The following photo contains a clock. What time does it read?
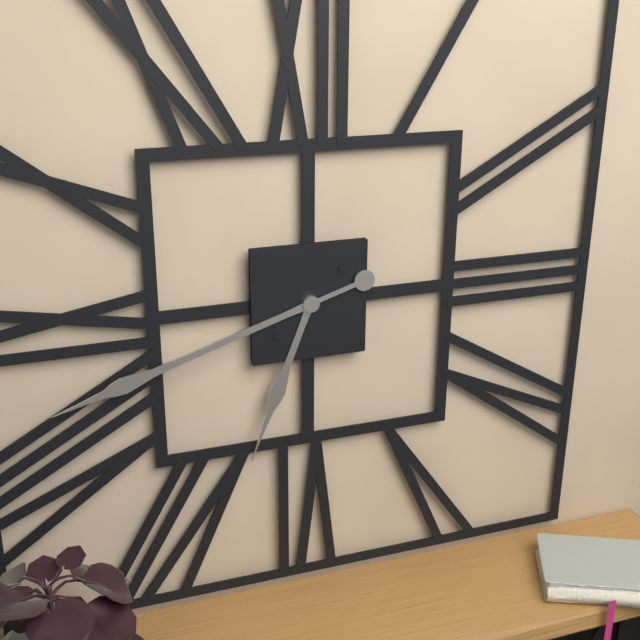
6:42
